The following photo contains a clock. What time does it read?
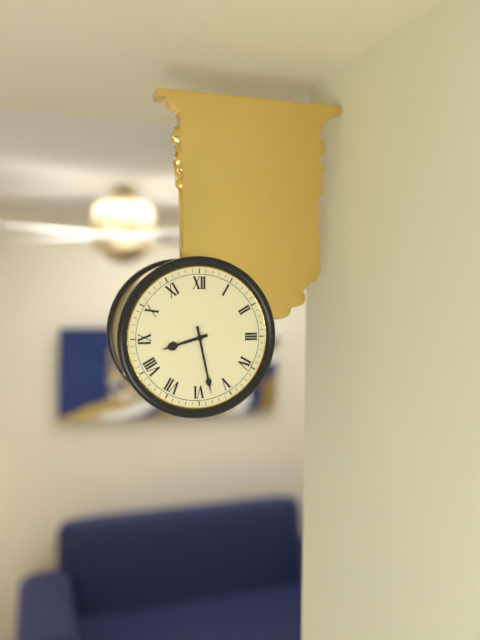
8:28
